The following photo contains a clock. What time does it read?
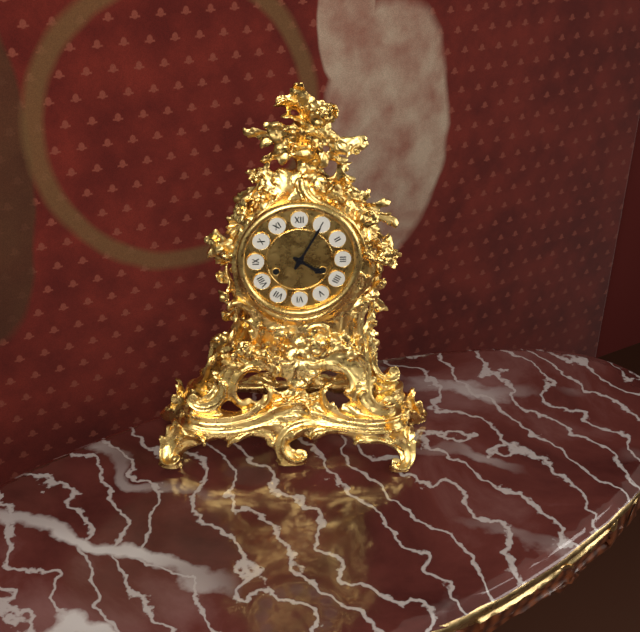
4:05
